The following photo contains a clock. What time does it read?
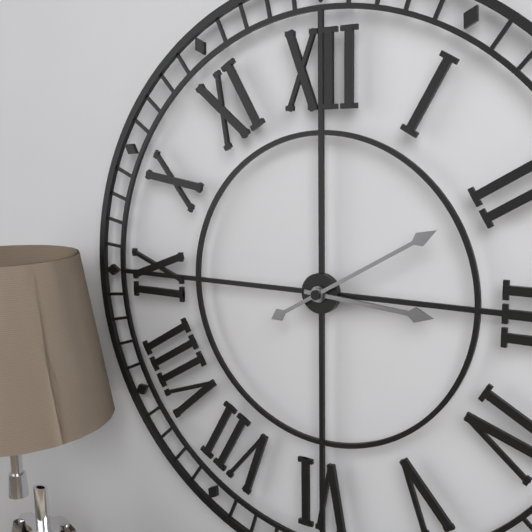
3:10
